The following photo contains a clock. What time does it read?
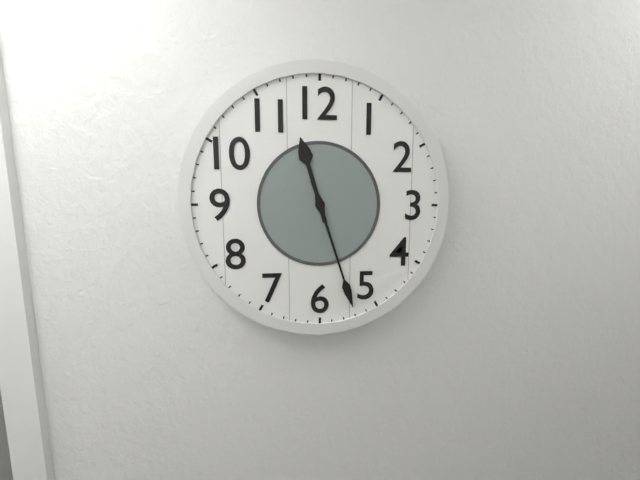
11:27
